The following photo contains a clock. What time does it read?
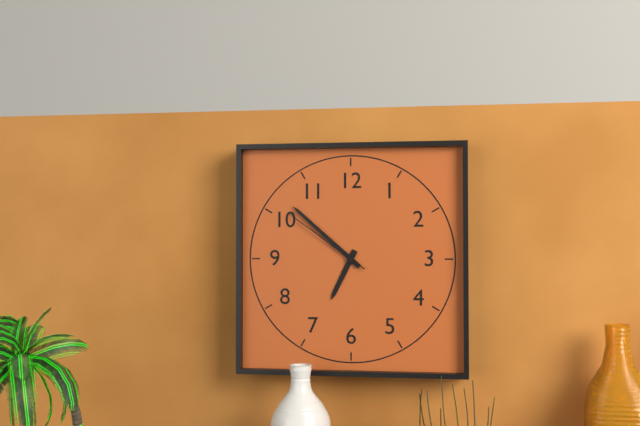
6:52:51
